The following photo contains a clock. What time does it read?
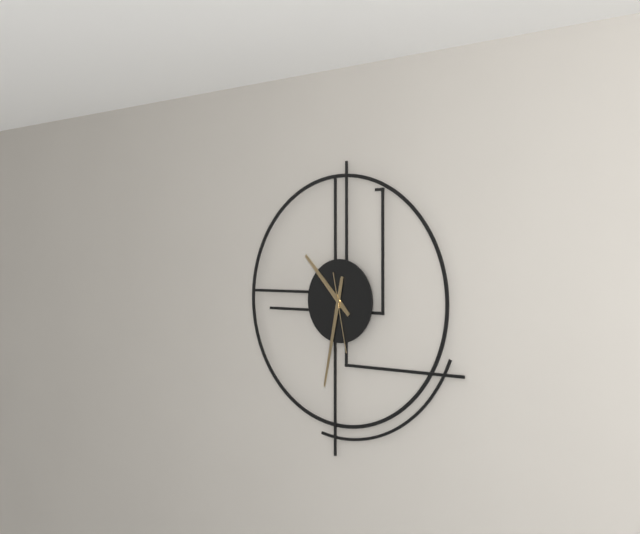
10:32:28
